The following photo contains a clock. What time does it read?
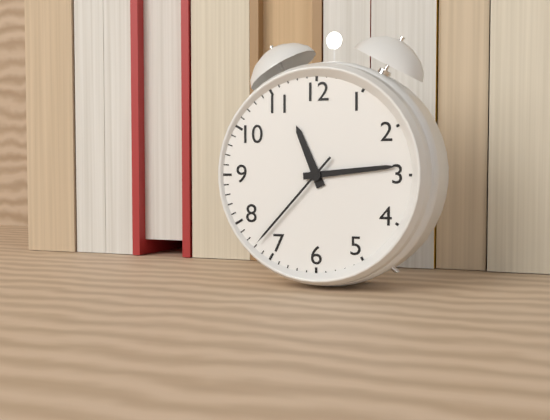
11:14:37
